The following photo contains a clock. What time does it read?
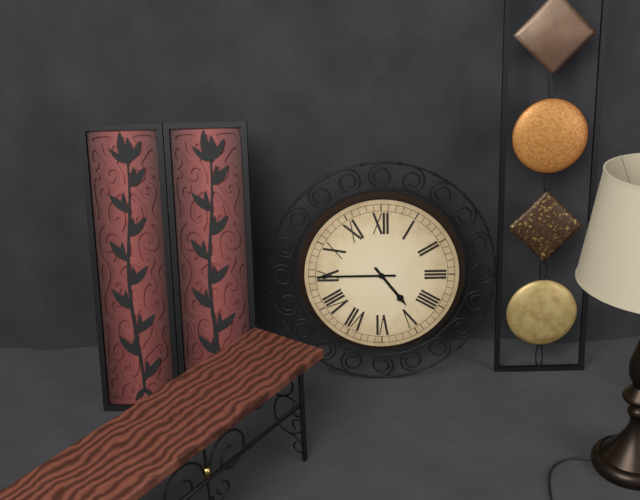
4:45
